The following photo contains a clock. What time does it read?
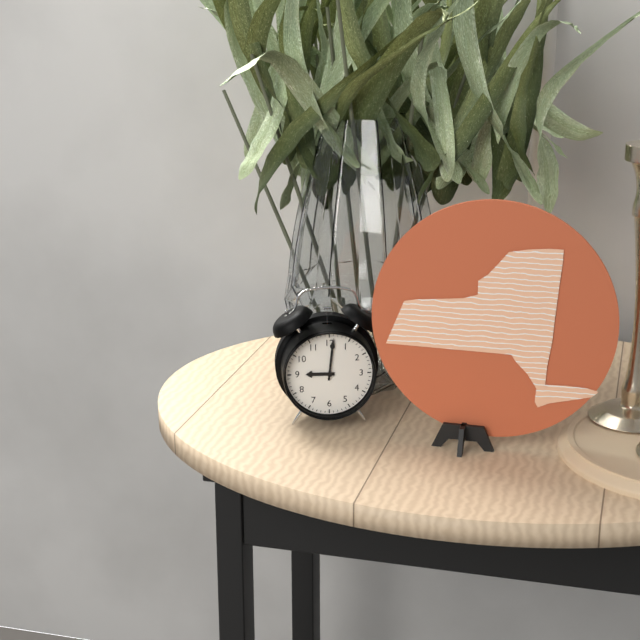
9:01
